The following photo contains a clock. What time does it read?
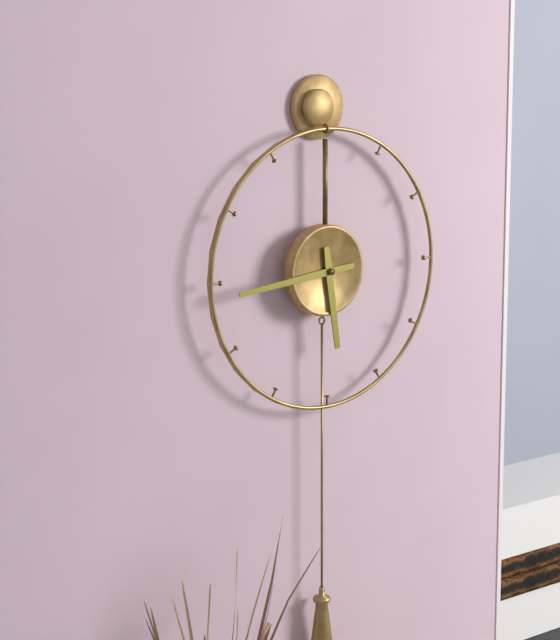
5:44
